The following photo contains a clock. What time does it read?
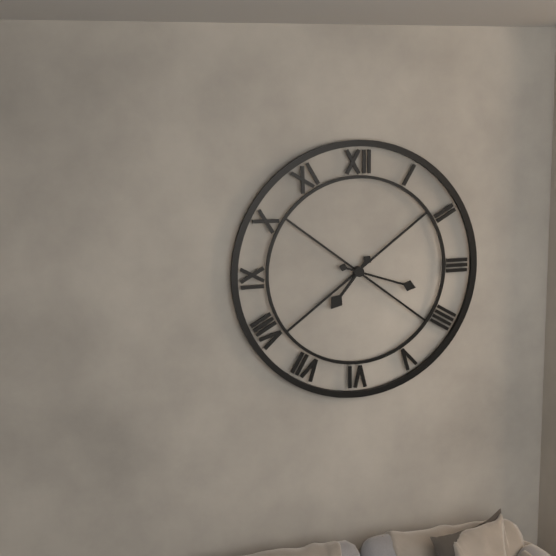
7:18
